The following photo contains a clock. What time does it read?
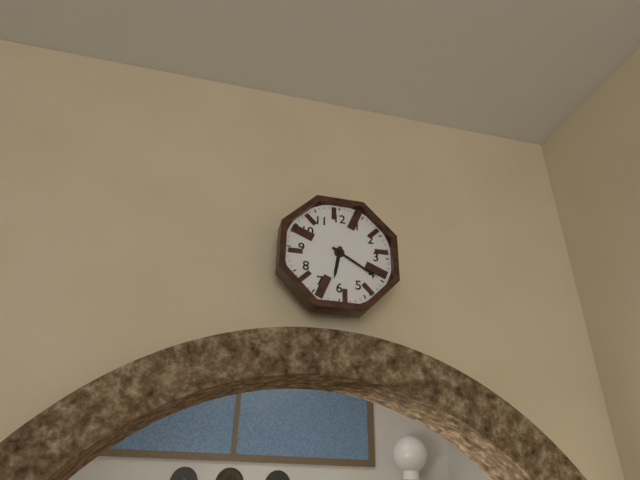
6:20
